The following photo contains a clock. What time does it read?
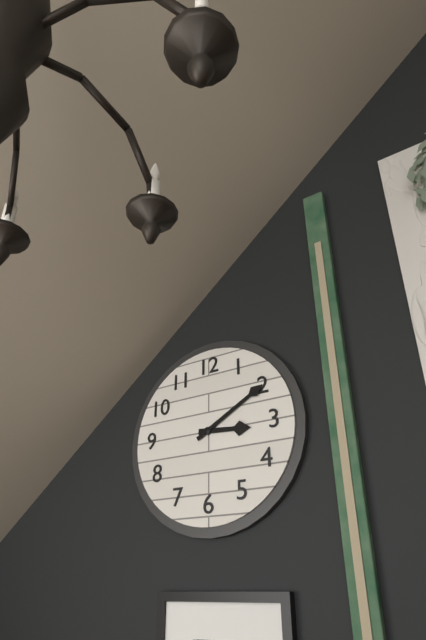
3:10
